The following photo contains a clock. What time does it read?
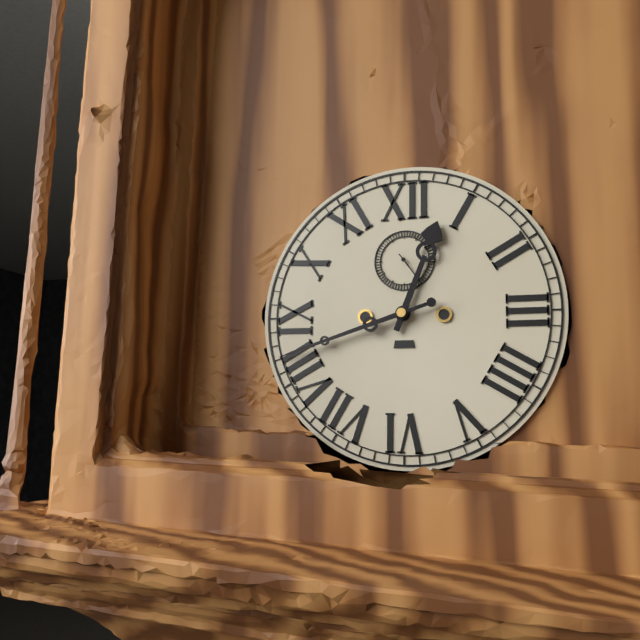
12:42
